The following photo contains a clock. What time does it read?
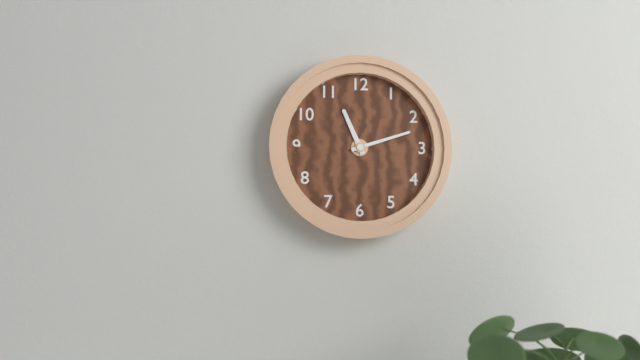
11:12
